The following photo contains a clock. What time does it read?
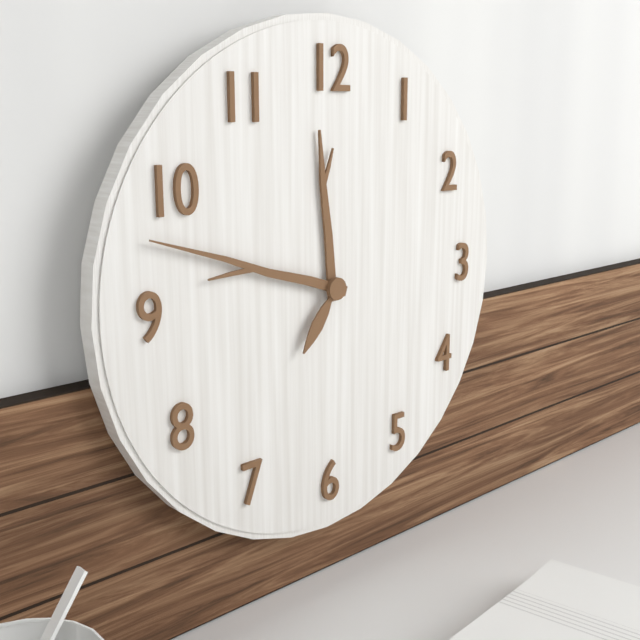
11:48:36
